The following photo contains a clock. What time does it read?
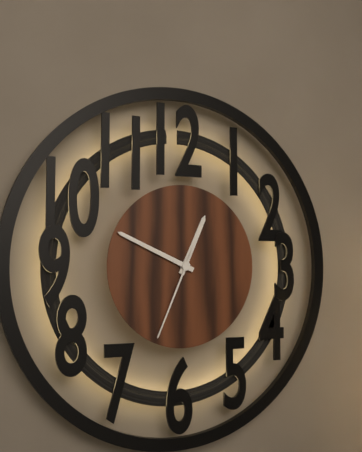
12:49:34
